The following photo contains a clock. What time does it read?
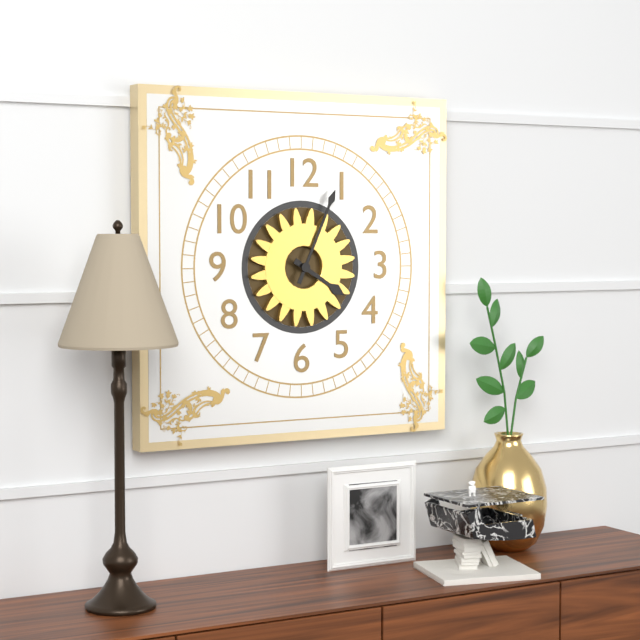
4:04
